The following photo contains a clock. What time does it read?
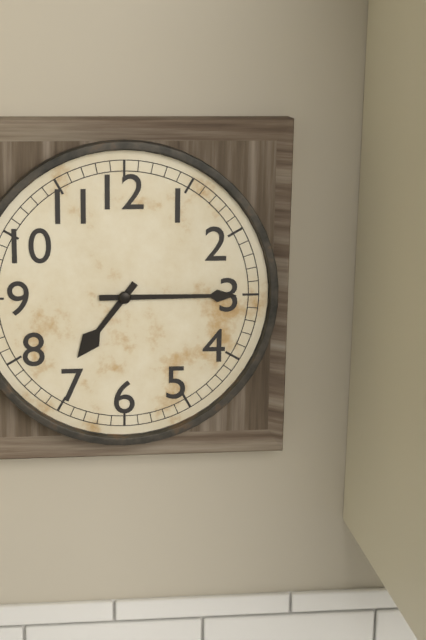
7:15
